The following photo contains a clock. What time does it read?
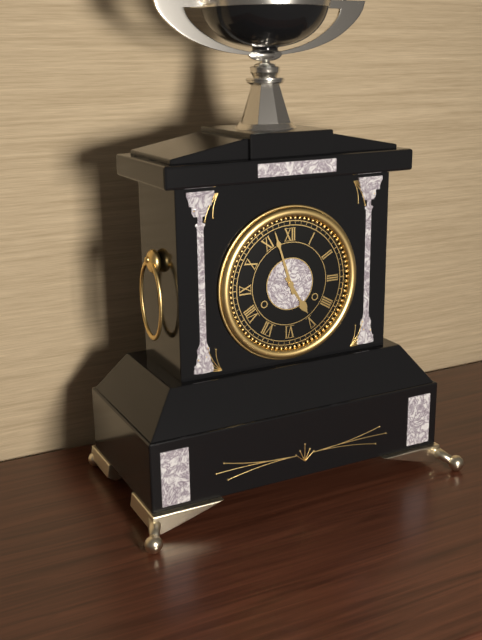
4:57
